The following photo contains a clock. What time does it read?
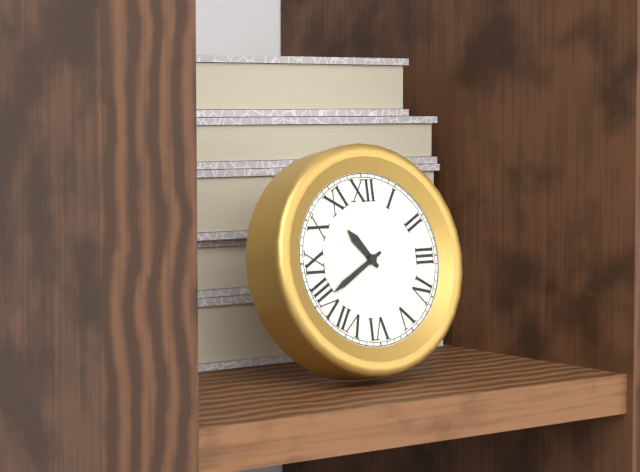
10:40
